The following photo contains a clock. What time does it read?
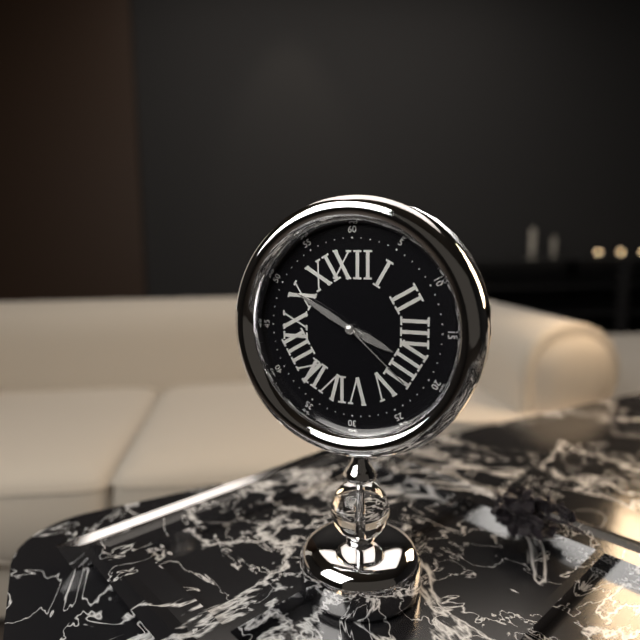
3:50:22
